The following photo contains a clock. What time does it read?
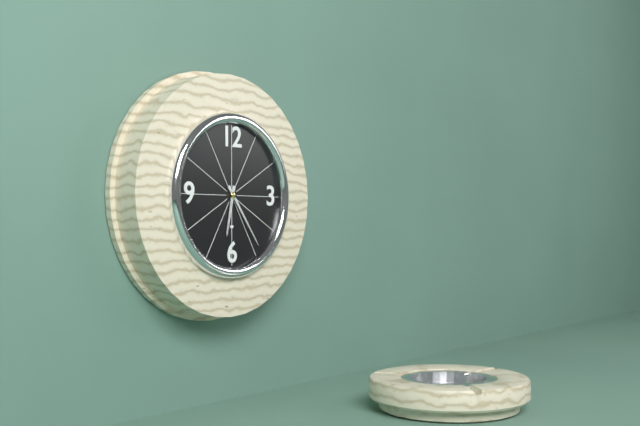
6:24
